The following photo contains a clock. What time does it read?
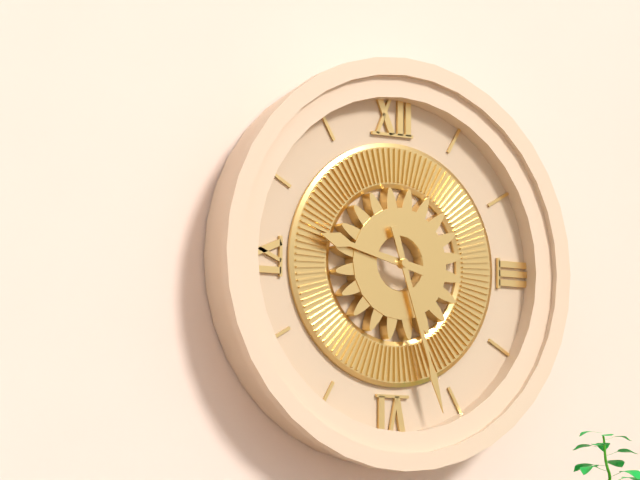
9:27
